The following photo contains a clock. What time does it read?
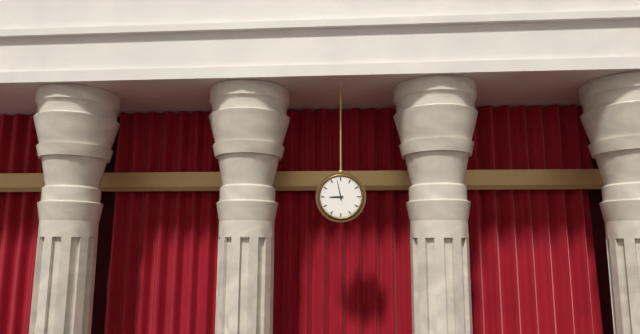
8:58
